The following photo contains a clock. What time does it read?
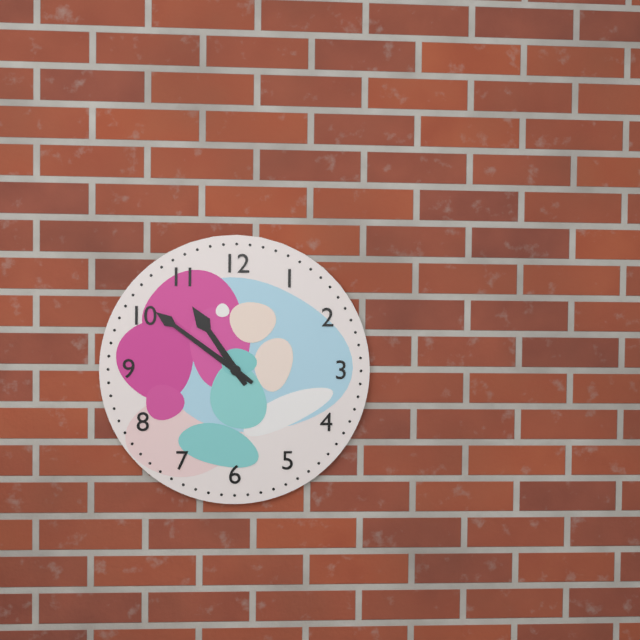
10:51
